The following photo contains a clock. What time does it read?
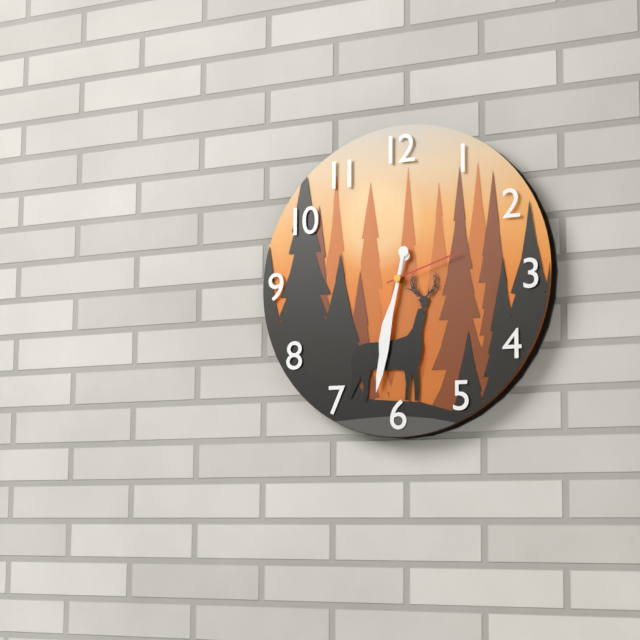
6:32:12
